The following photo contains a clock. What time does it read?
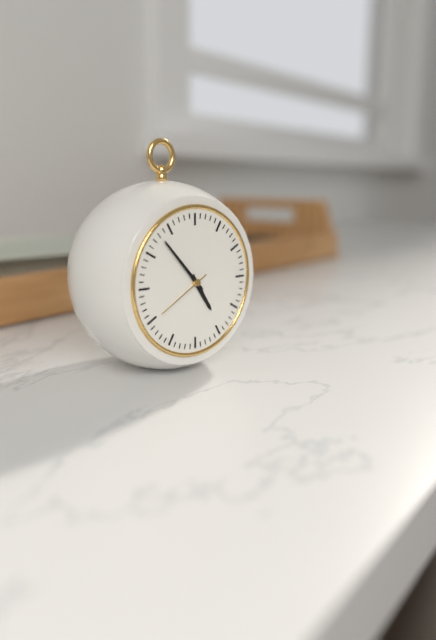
4:53:40
